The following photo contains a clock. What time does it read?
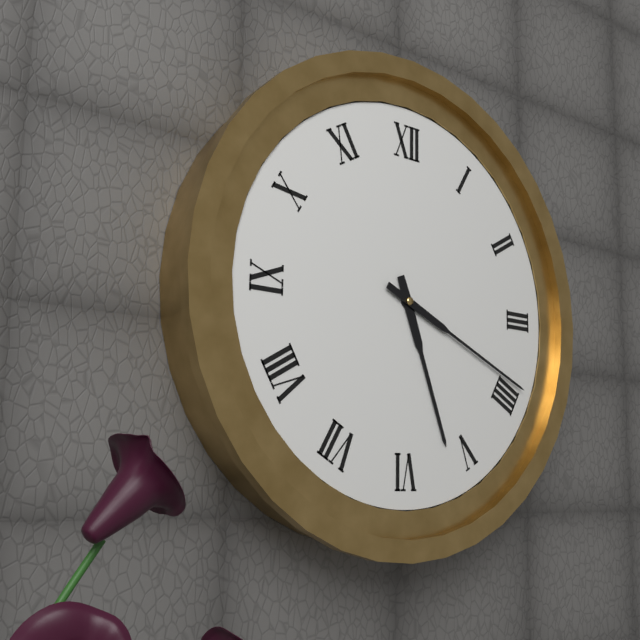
5:19
